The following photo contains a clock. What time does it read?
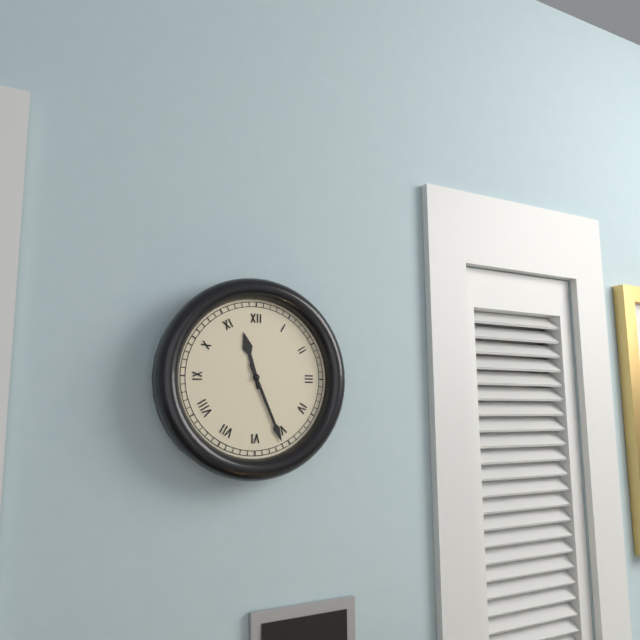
11:26
